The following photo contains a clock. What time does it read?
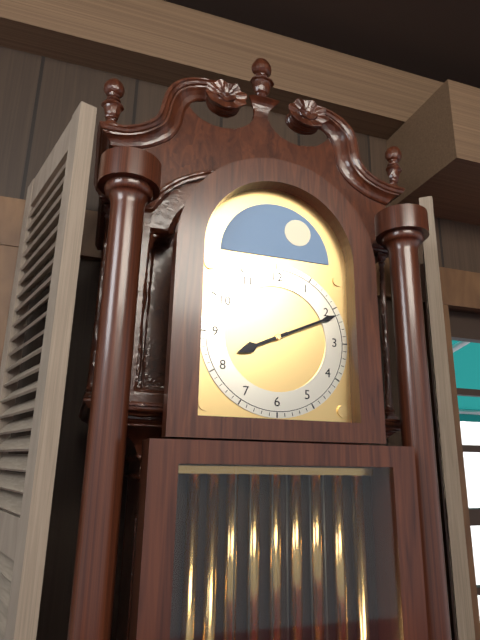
8:11
